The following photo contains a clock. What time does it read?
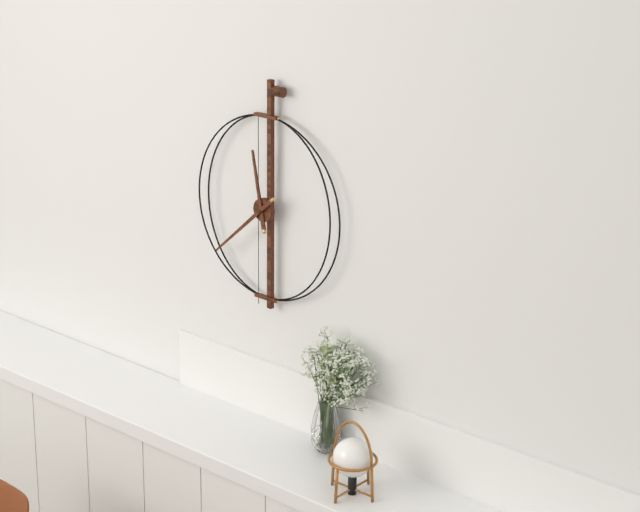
11:38
